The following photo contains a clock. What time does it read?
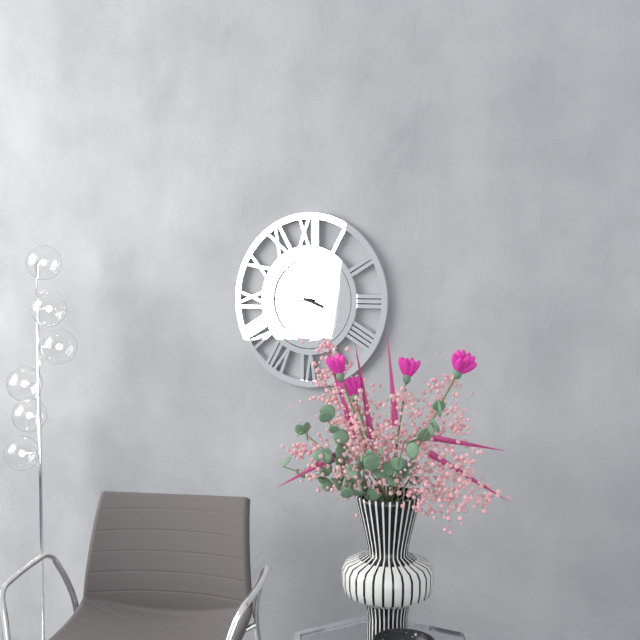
3:45
